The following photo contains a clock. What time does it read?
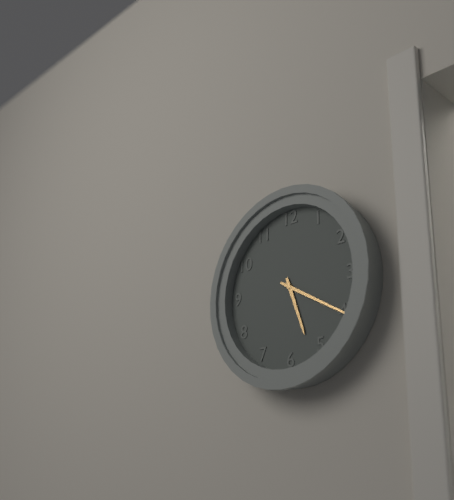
5:20
